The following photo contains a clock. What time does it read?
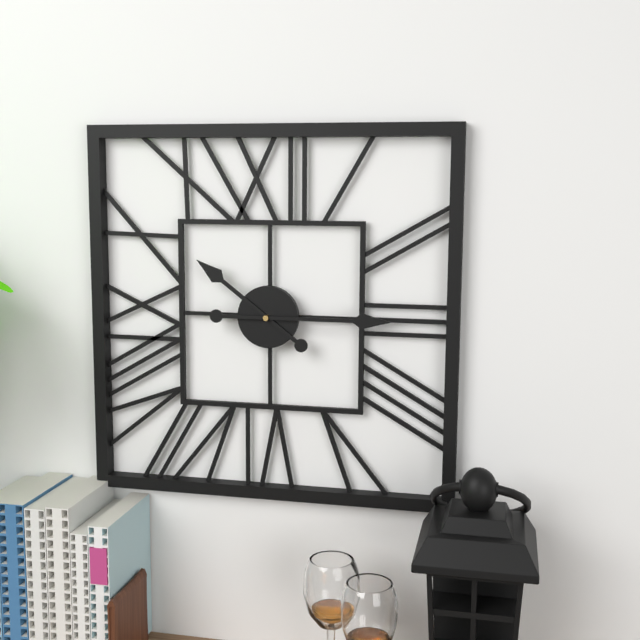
10:15
